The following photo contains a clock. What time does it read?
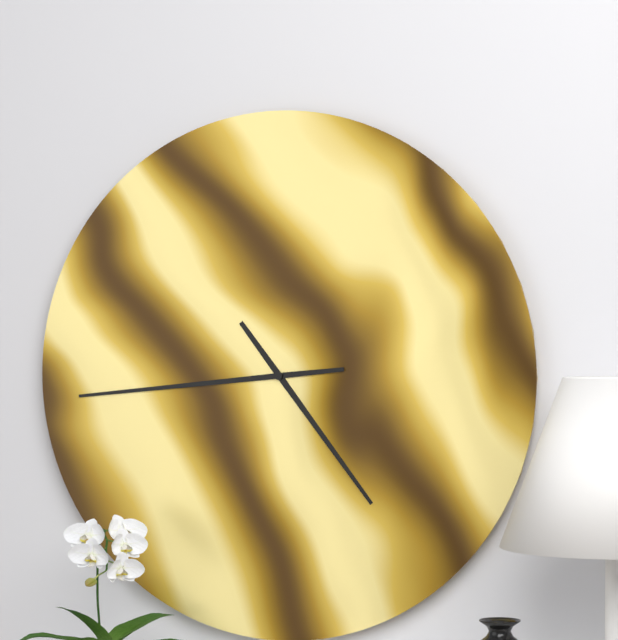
4:44
